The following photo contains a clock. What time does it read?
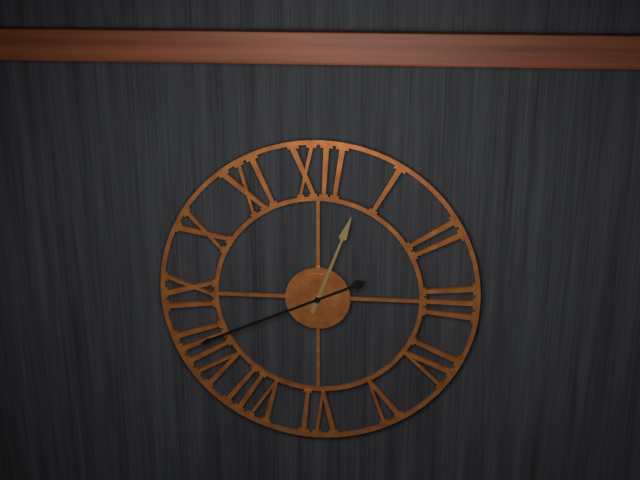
12:41
